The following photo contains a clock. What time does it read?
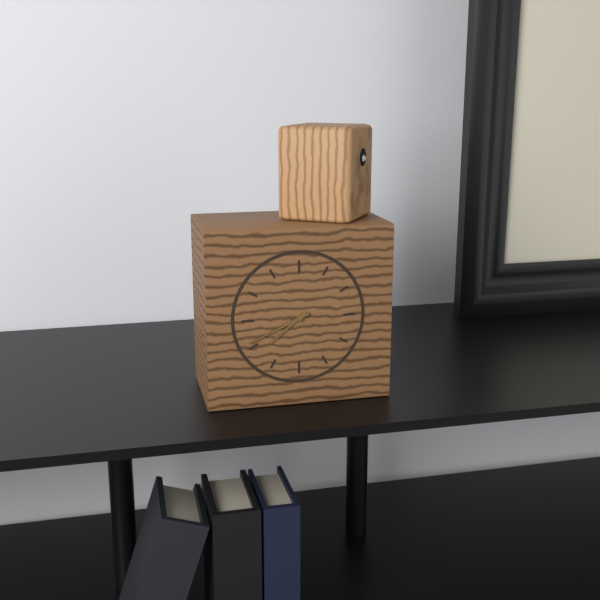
7:41
